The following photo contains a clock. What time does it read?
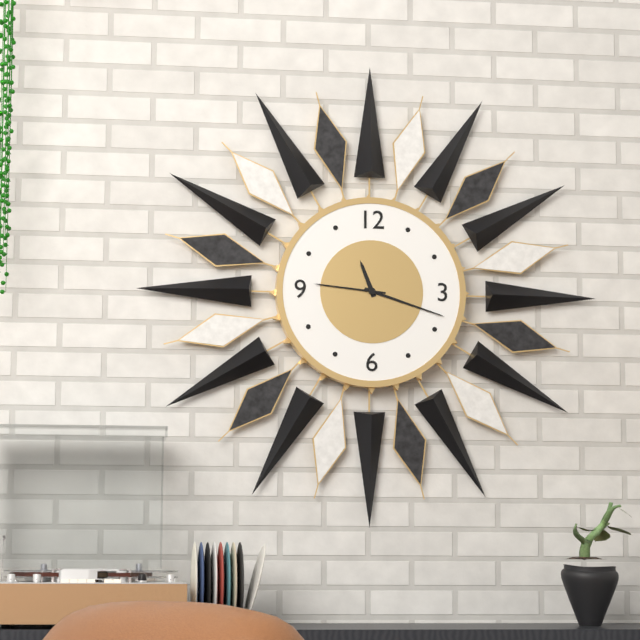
11:18:46
